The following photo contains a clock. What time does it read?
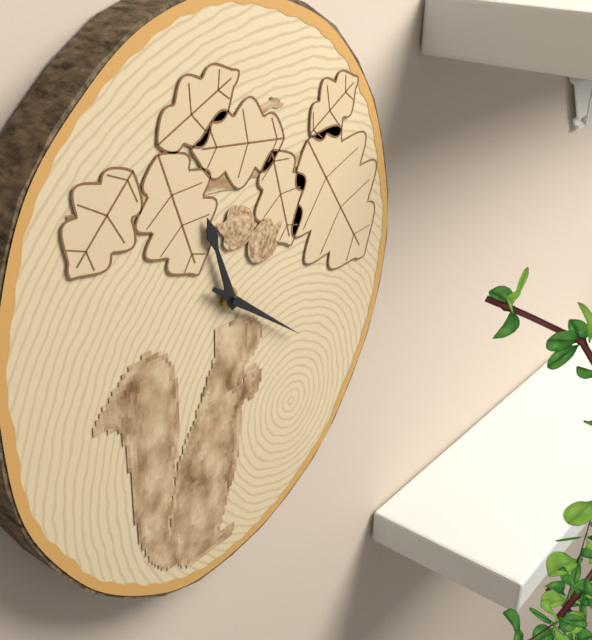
11:21
